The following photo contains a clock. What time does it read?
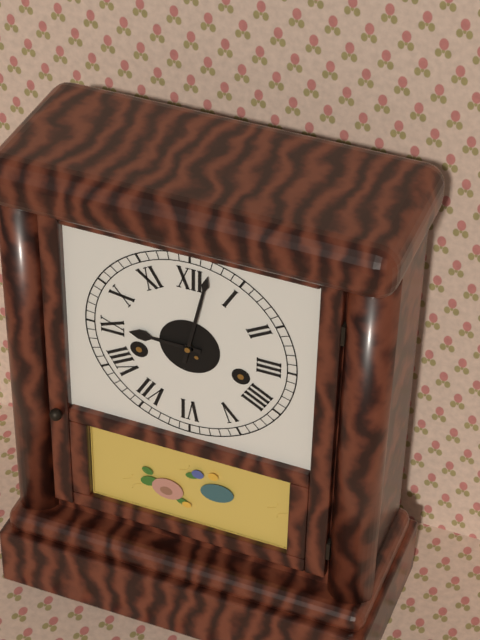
9:02
